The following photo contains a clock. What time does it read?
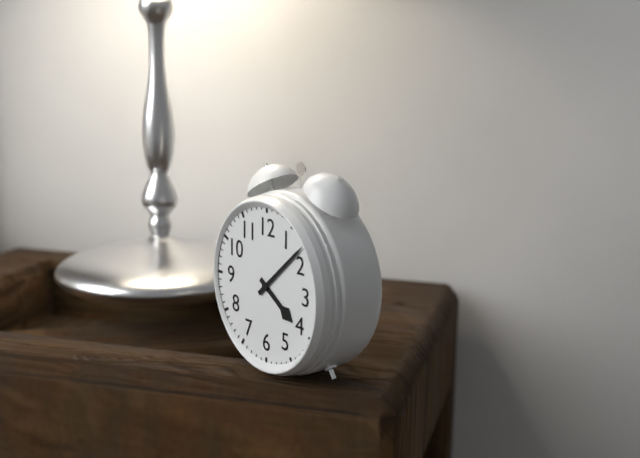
4:08
